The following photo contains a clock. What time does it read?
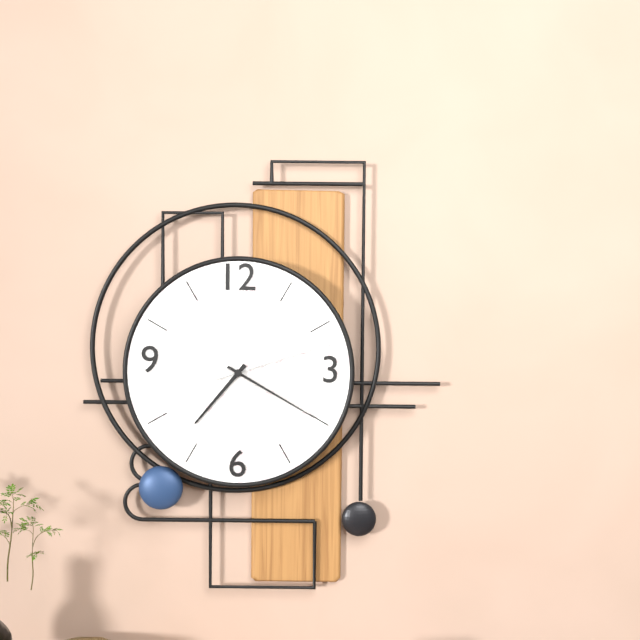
7:20:12
